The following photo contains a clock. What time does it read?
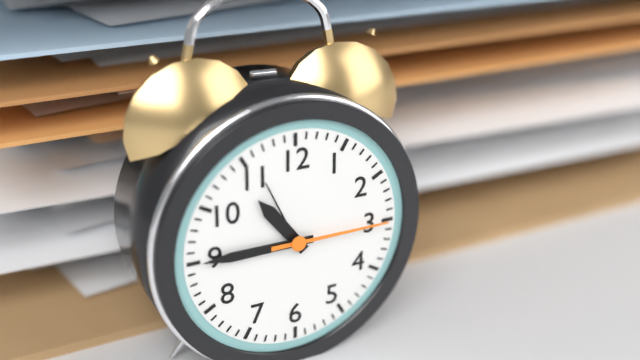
10:45:15
